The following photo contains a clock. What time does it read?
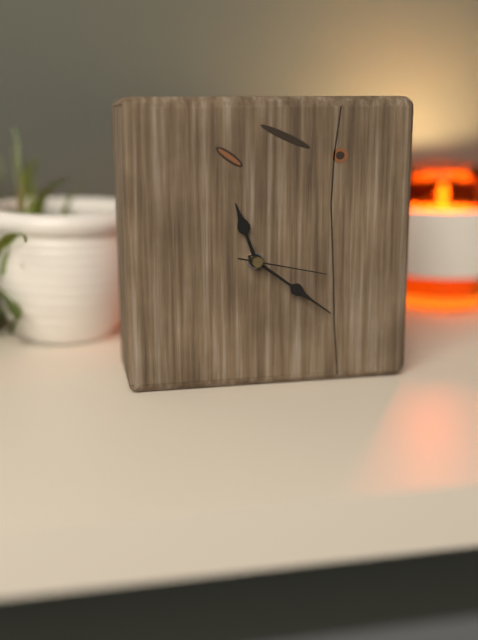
11:21:17
